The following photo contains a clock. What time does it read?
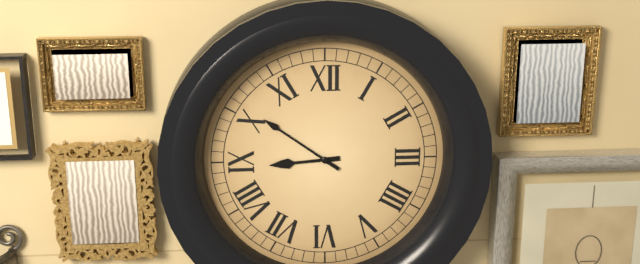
8:51
